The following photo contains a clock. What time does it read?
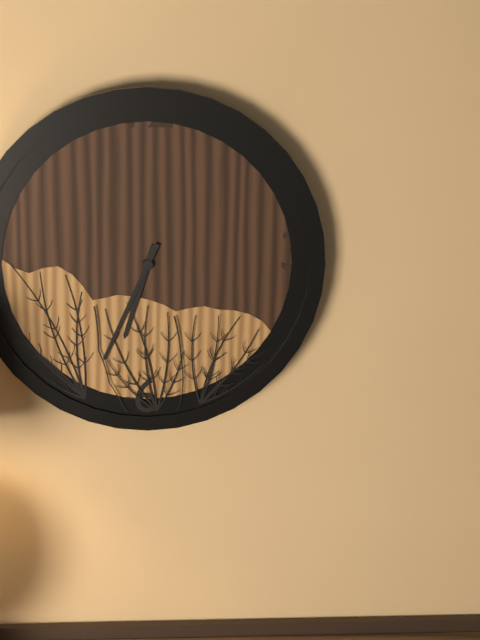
6:34
